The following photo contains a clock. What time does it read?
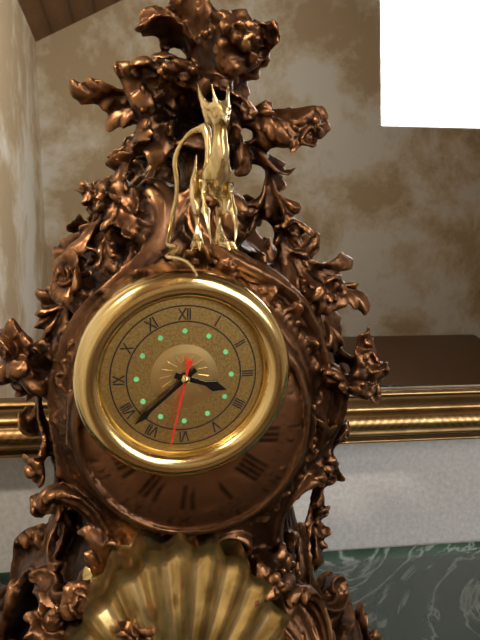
3:38:32
